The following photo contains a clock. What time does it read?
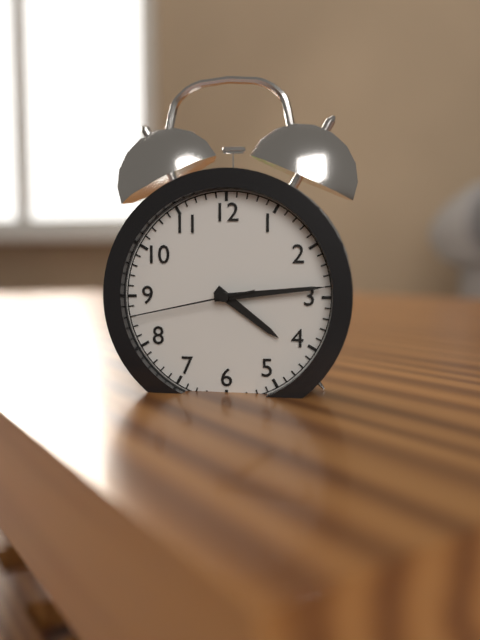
4:14:43
